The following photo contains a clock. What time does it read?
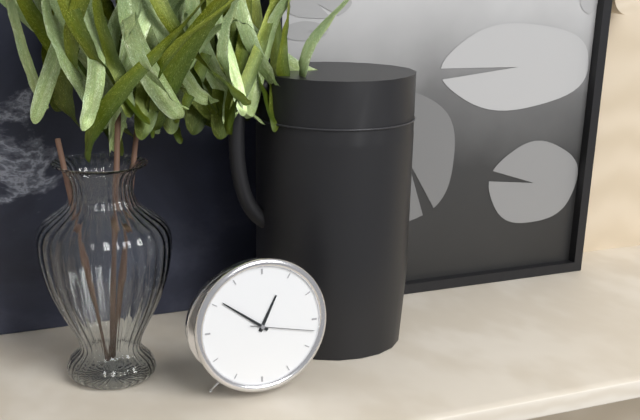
12:51:17
